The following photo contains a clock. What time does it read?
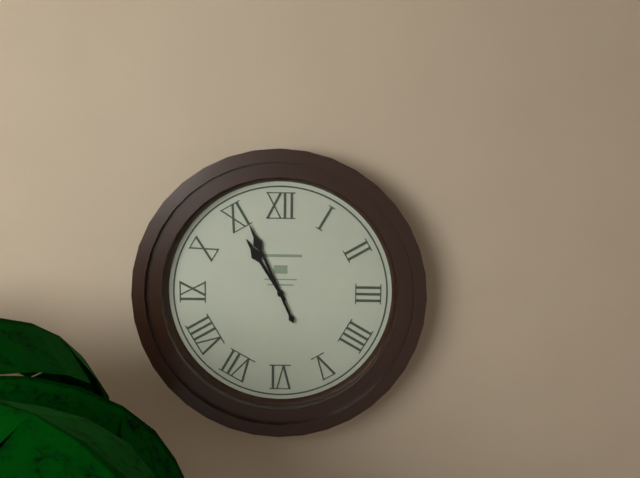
10:56
